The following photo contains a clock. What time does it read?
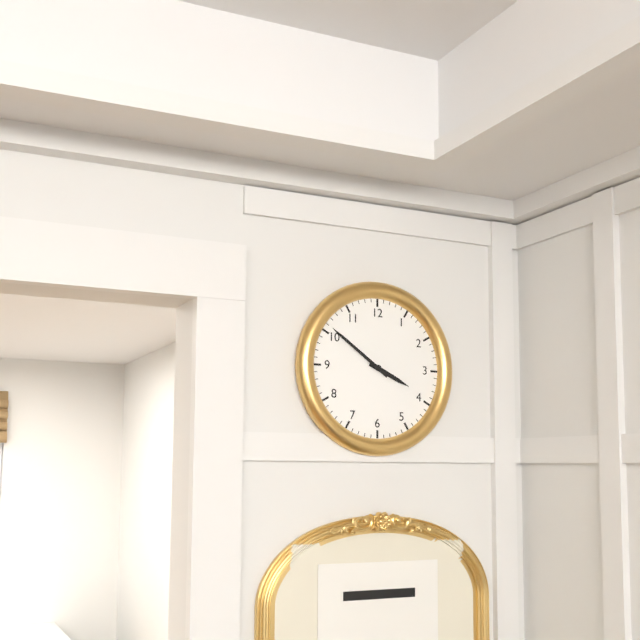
3:51
